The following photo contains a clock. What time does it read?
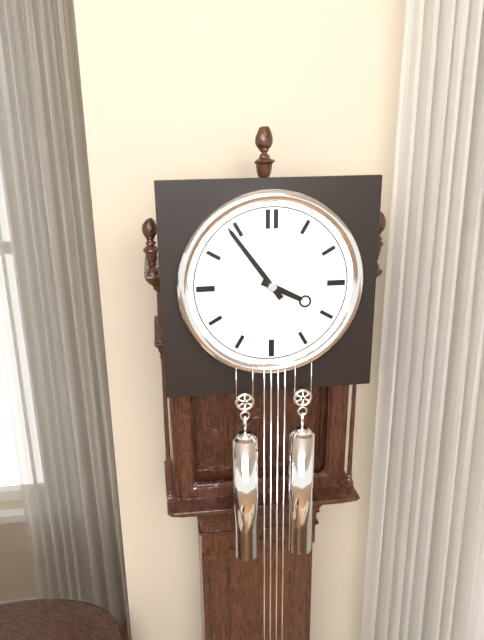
3:54
